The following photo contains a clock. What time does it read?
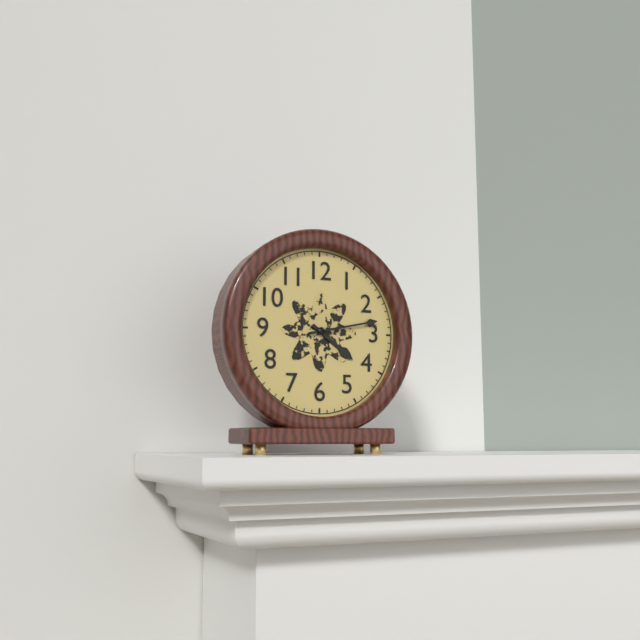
4:13
